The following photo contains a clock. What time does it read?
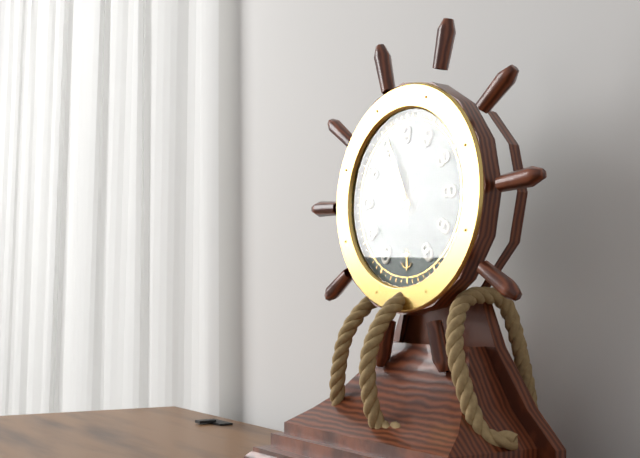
10:56
